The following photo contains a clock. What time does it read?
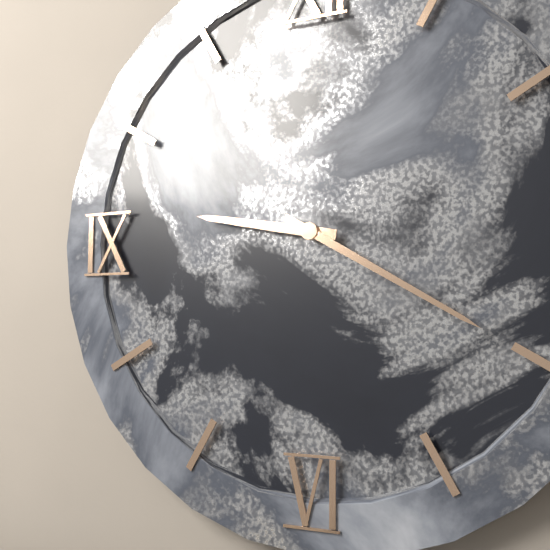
9:20
